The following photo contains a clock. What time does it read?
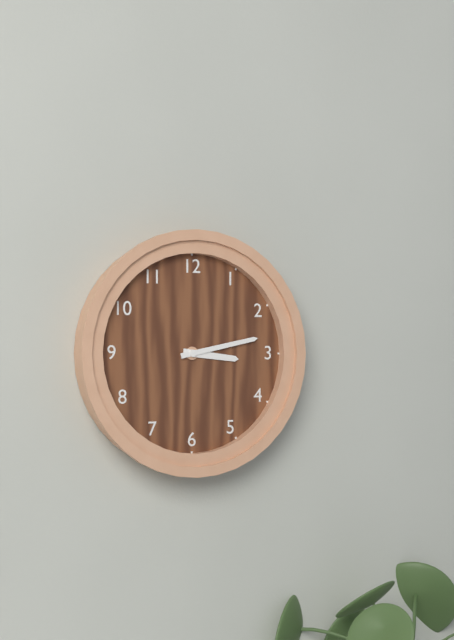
3:13
